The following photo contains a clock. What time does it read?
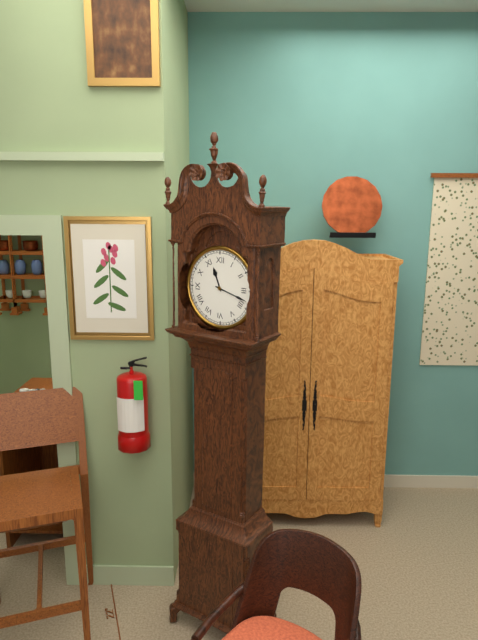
11:18
